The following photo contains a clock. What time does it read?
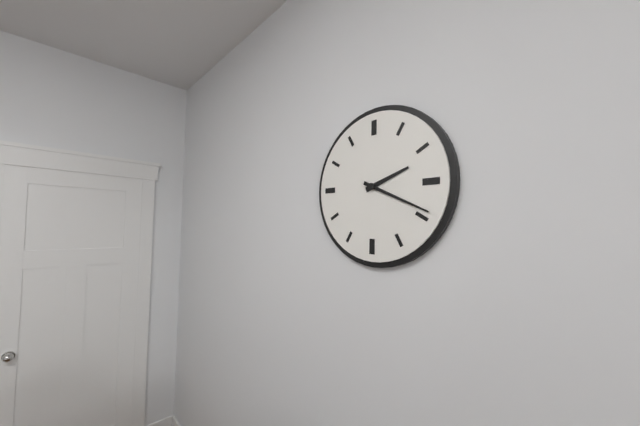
2:19
